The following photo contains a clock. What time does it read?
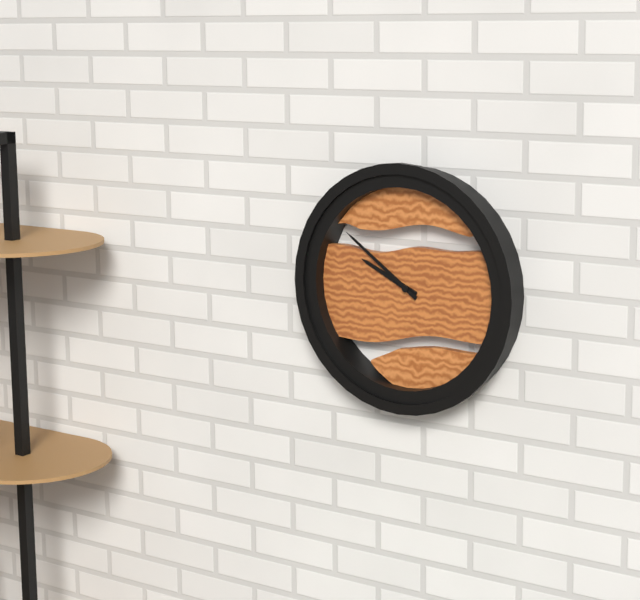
9:51
